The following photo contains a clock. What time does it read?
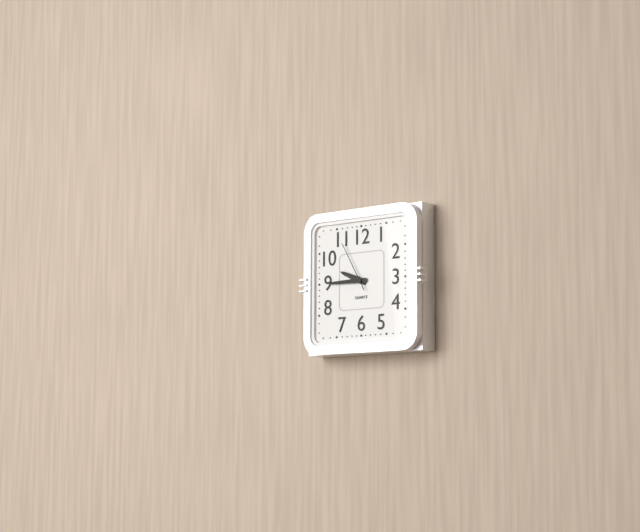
9:45:55
